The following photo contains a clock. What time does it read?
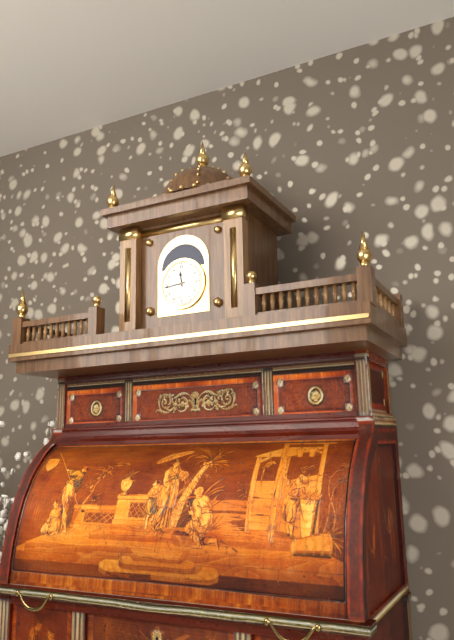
11:44
